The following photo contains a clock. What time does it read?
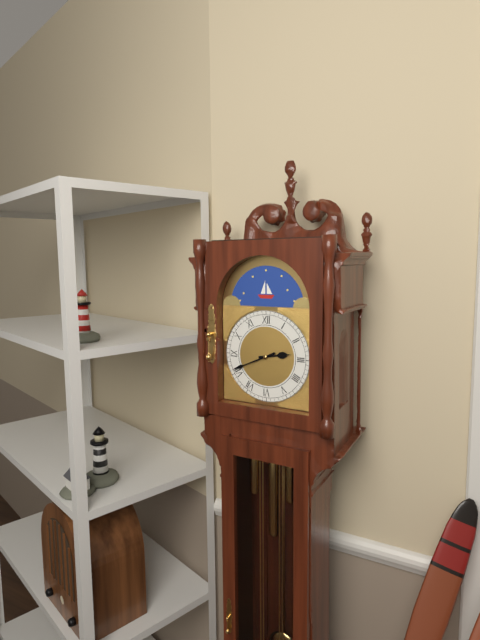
2:41
